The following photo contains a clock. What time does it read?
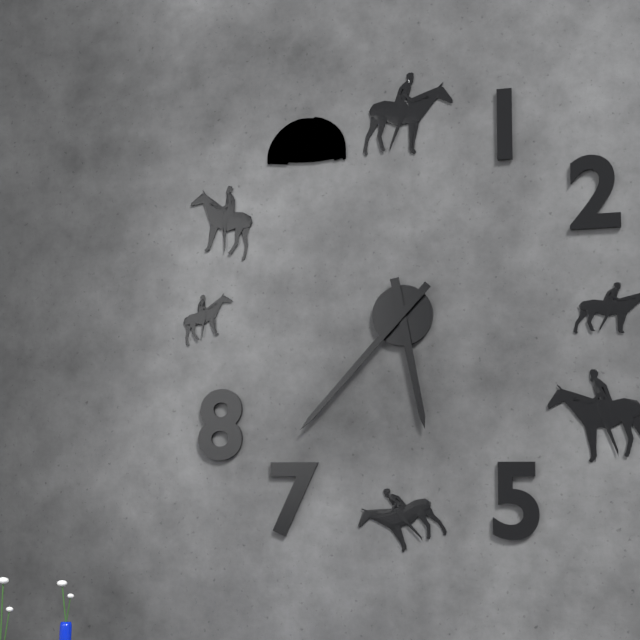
5:37
